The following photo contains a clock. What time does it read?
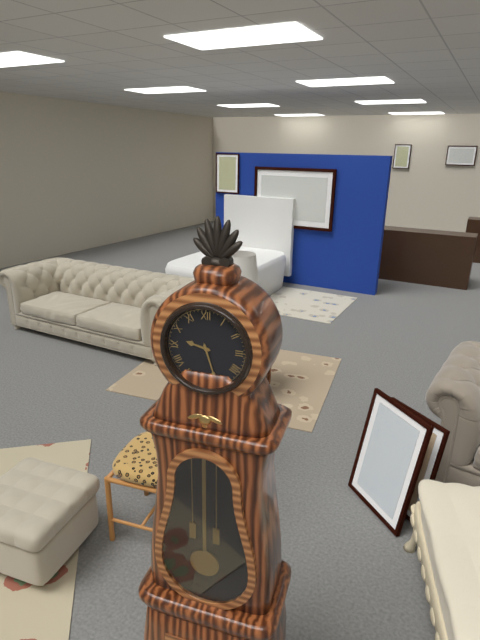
9:27
